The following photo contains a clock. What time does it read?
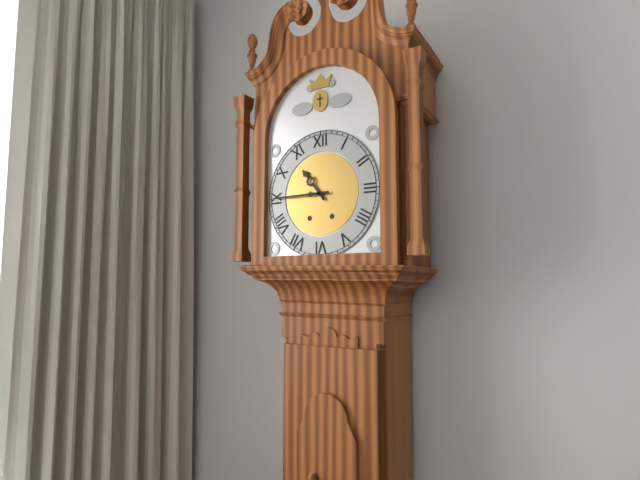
10:45
